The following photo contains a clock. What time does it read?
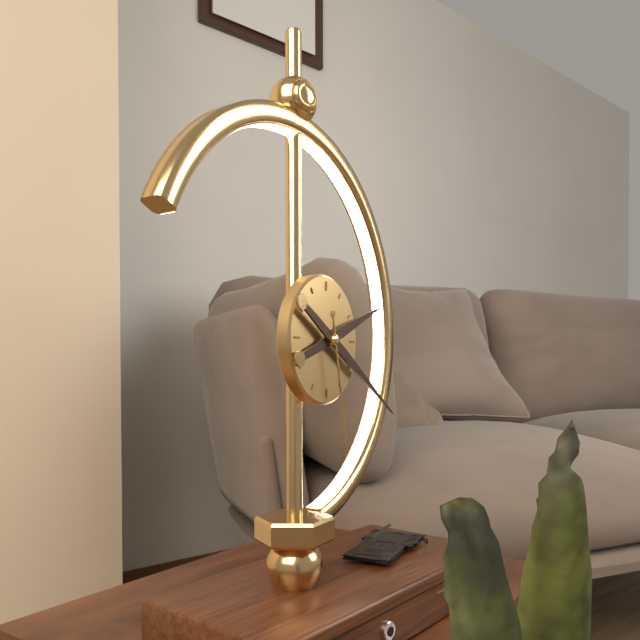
2:20:28
